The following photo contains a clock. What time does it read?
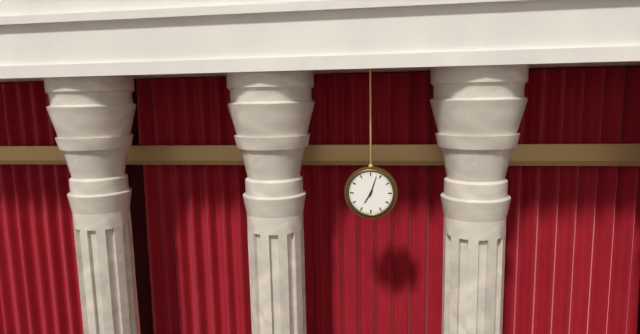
7:03
